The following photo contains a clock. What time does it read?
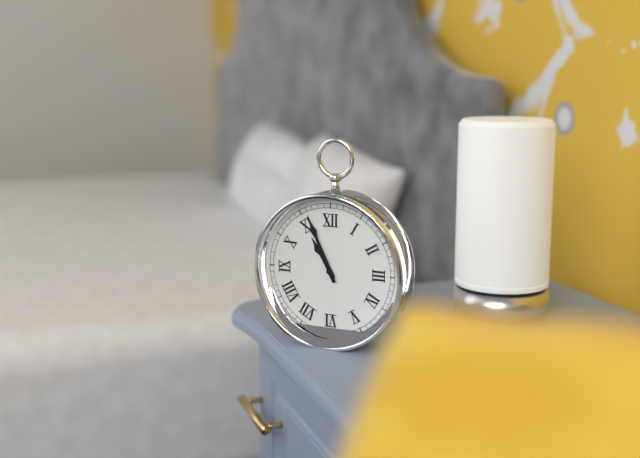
10:56
